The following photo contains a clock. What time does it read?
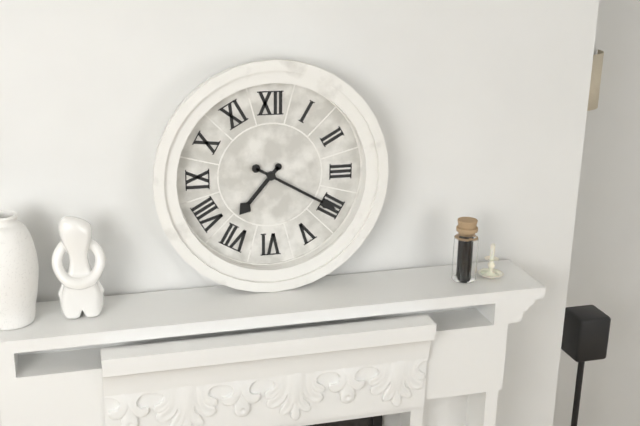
7:20
